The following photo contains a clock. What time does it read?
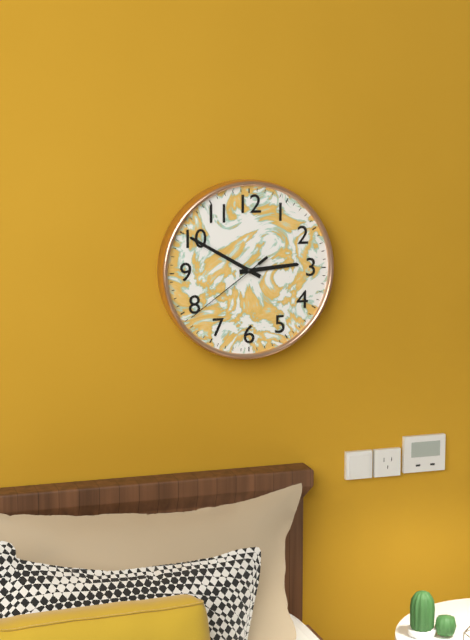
2:50:39
